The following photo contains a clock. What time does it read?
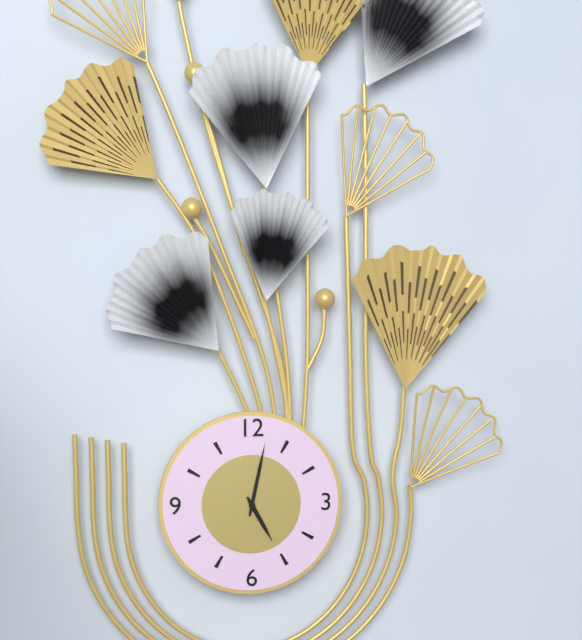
5:02
